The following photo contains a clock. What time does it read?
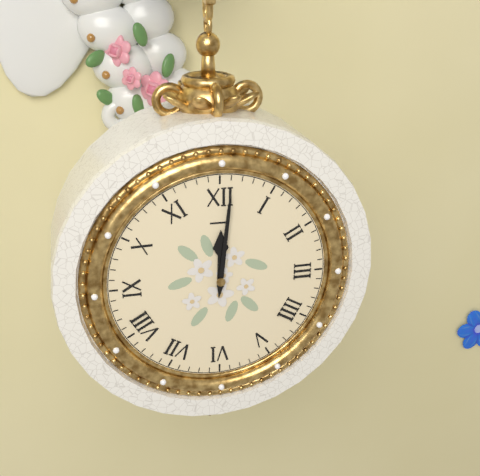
12:01
